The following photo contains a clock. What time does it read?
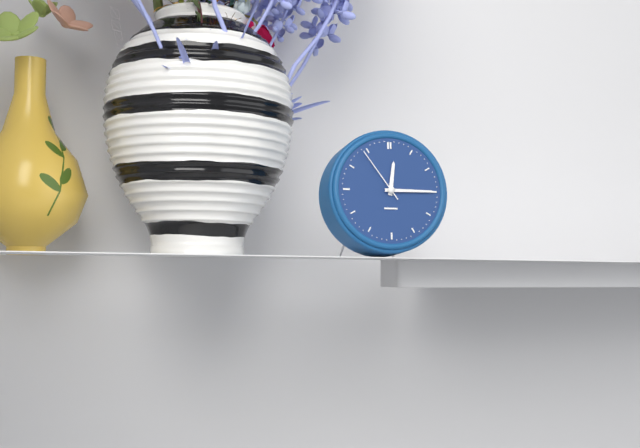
12:15:54
